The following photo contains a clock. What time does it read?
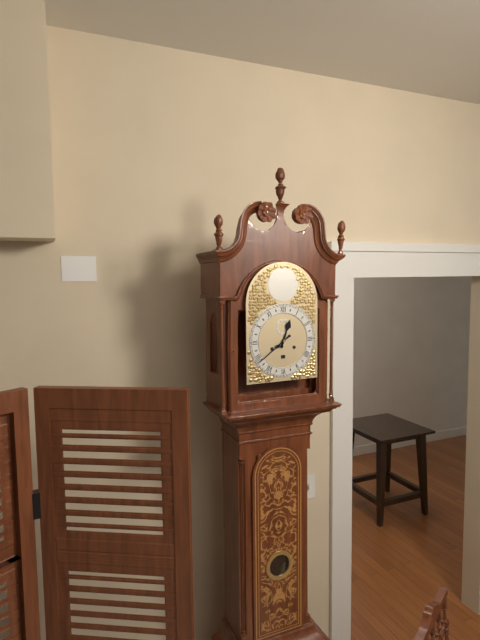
12:39
